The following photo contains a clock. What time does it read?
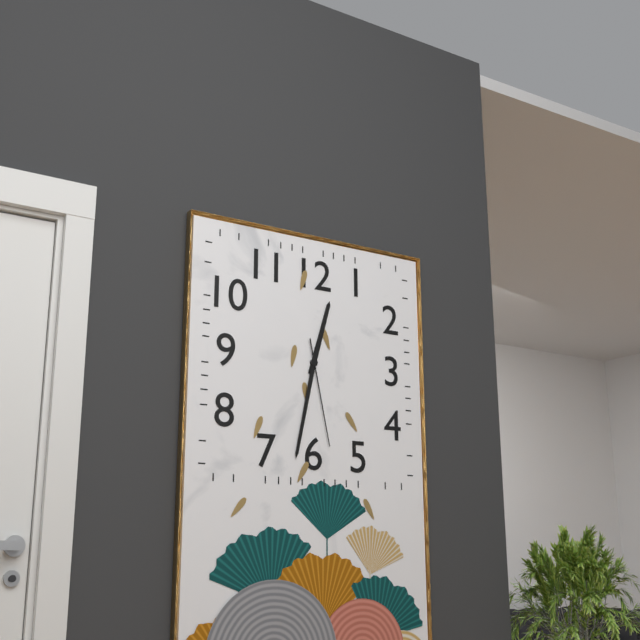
12:32:28
